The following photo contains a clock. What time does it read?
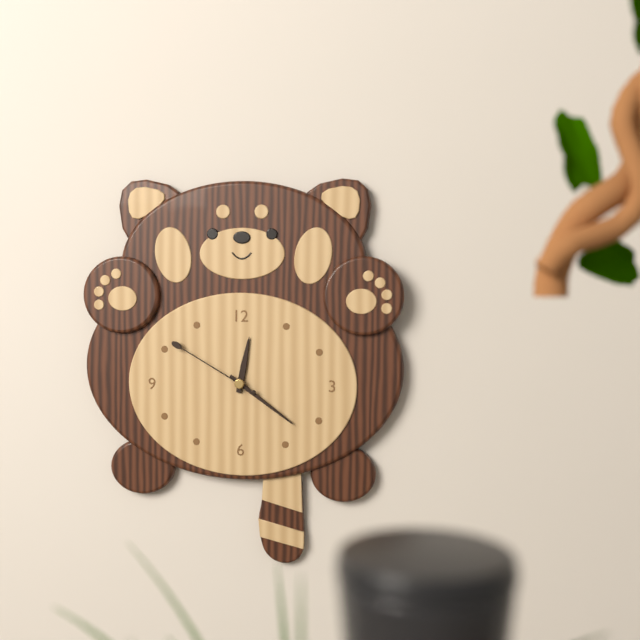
12:21:50
